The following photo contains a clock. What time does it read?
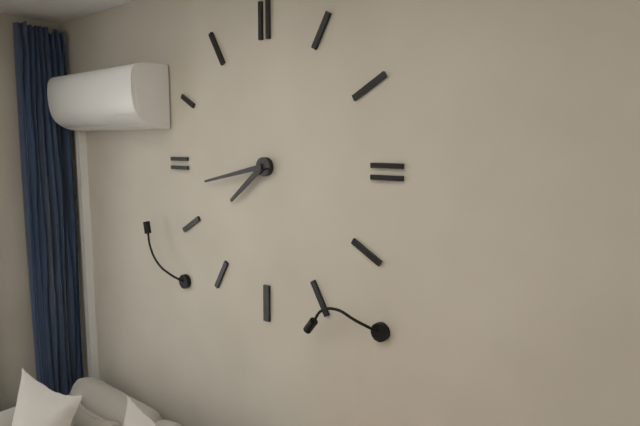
7:43
